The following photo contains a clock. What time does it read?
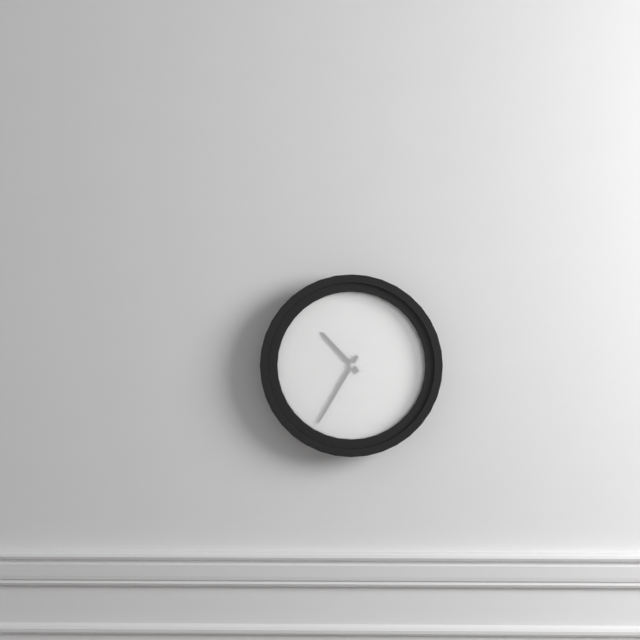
10:35
